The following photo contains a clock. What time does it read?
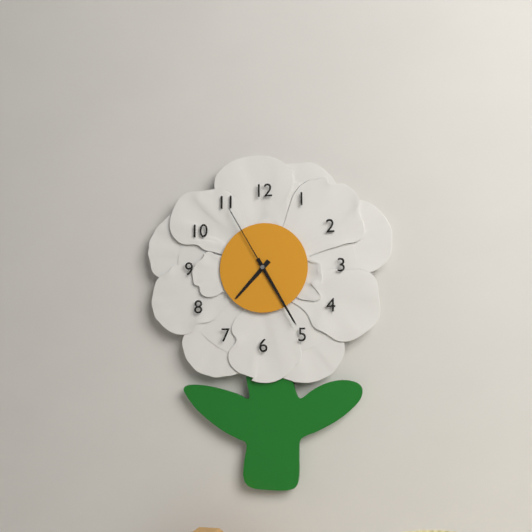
7:25:55
